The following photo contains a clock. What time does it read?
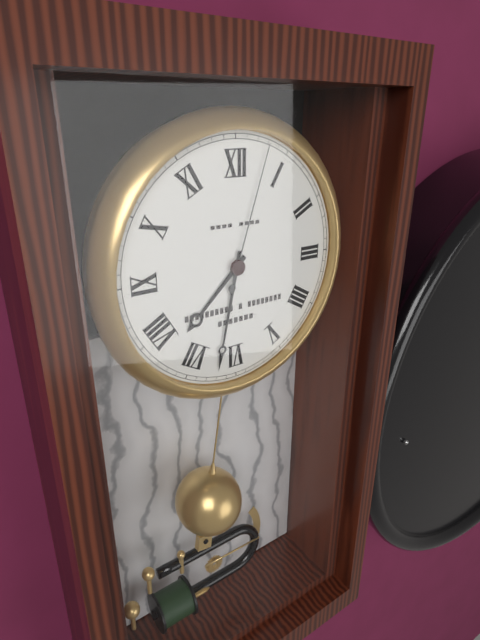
7:32:03
